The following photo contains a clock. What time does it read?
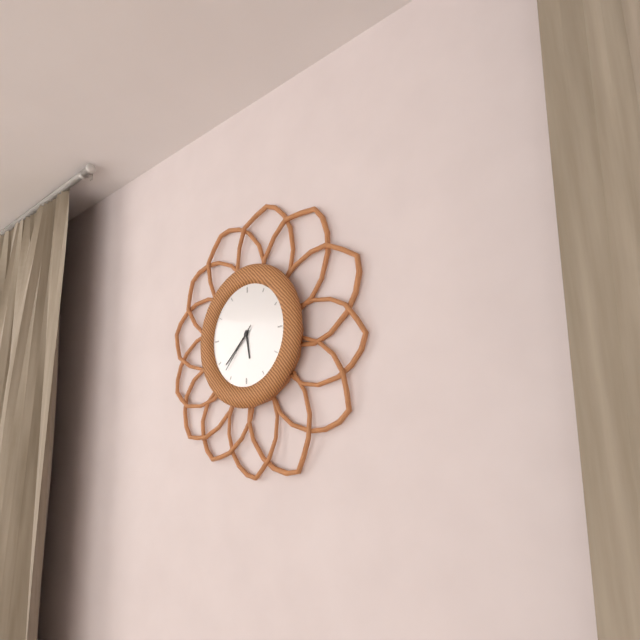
5:38:37
